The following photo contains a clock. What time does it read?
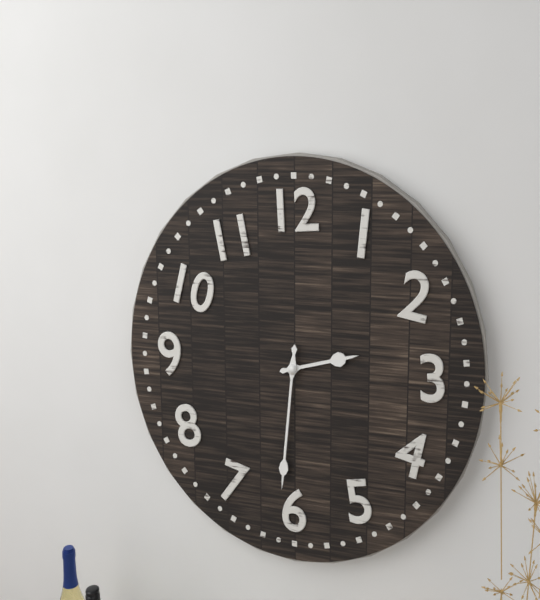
2:31
